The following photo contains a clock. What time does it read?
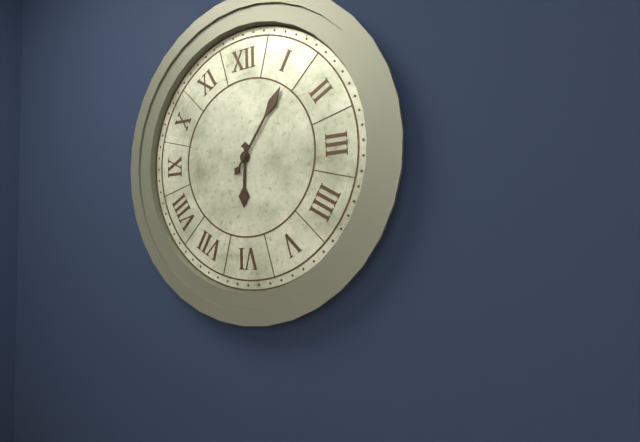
6:06
